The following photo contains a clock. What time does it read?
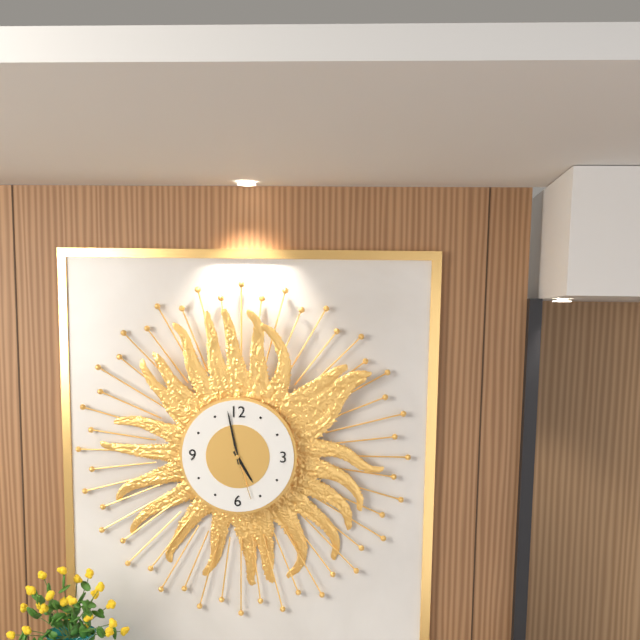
4:58:27
